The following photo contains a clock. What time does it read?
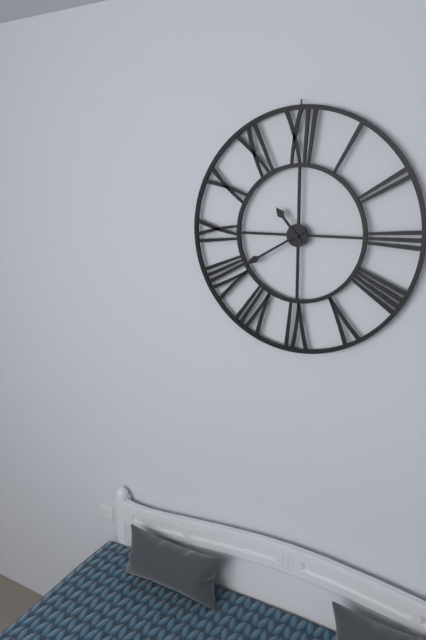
10:40
